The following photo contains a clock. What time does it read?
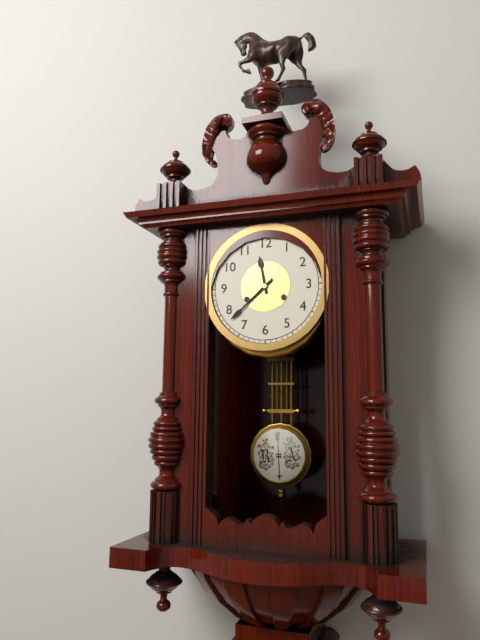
11:38
